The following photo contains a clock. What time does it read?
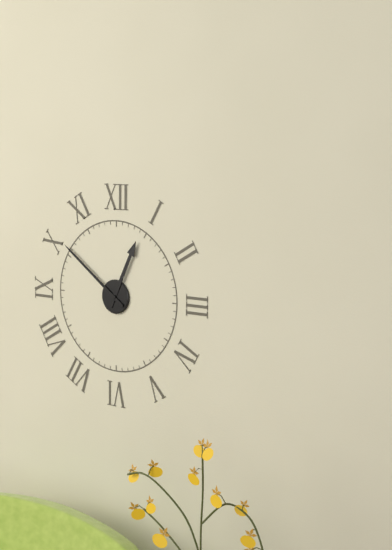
12:51
